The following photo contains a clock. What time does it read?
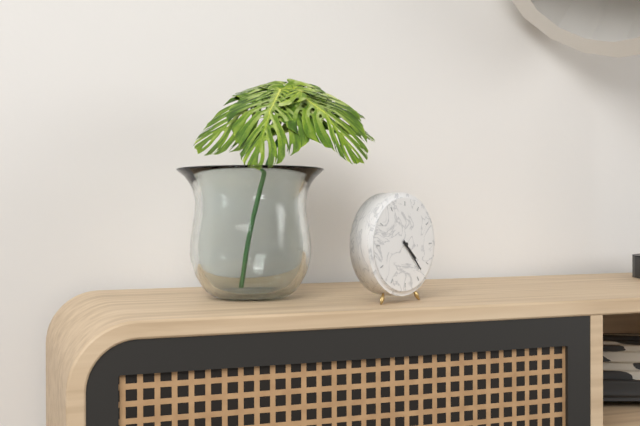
4:23
